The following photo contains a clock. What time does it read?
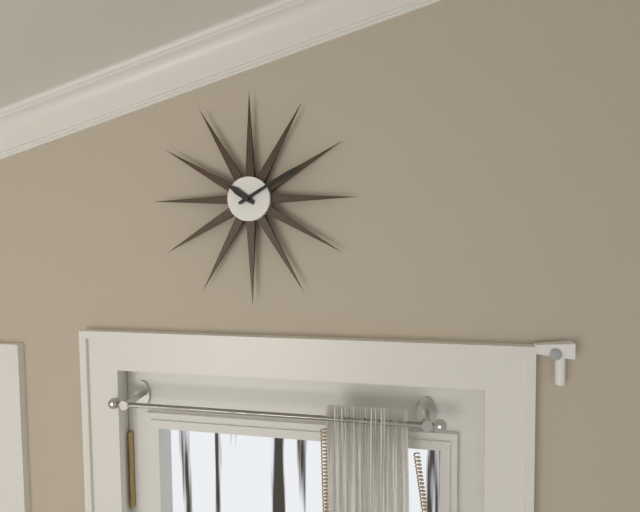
10:10
